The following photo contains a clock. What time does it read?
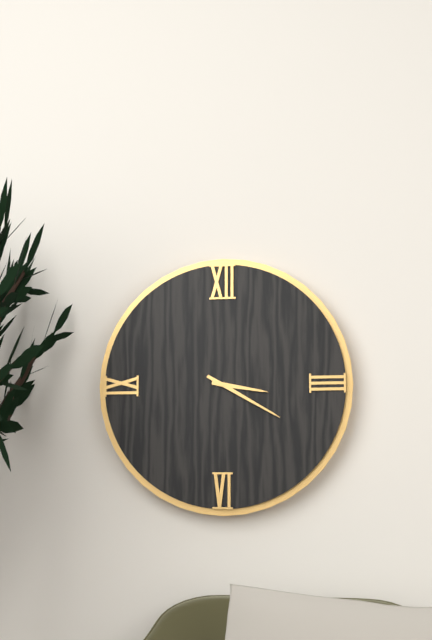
3:20
